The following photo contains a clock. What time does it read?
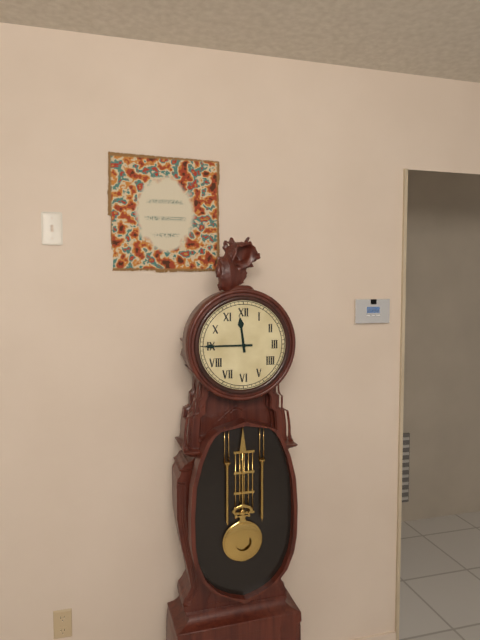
11:45
